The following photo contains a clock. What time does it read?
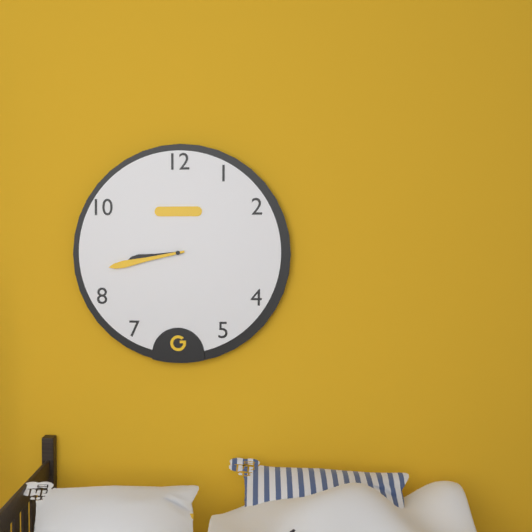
8:43
